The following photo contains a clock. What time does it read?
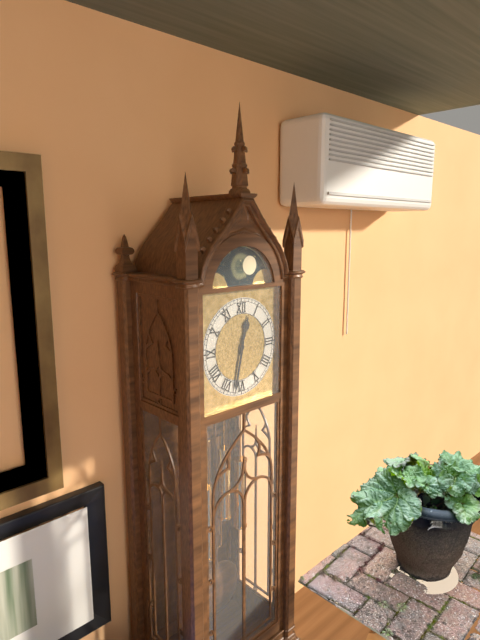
12:32
